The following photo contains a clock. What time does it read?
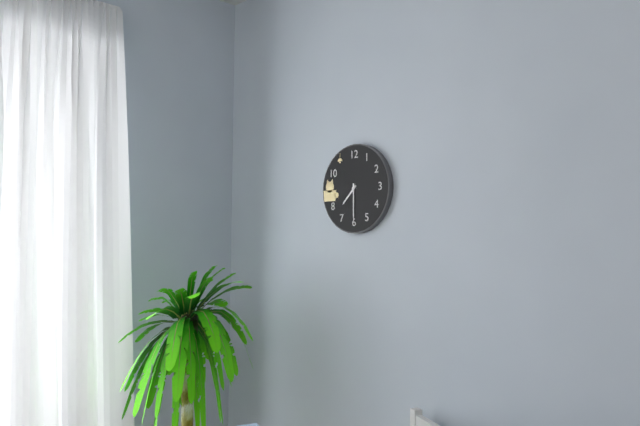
7:30
